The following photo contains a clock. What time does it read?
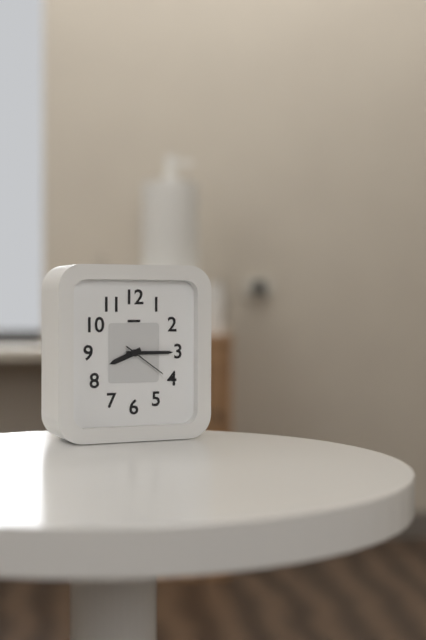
8:15
